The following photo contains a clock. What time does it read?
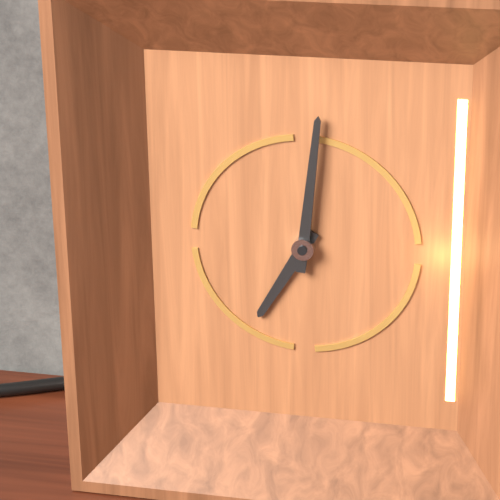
7:01
